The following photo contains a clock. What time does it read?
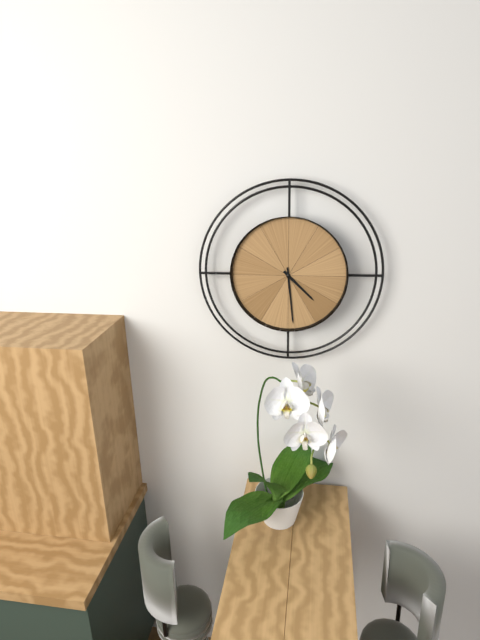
4:29
